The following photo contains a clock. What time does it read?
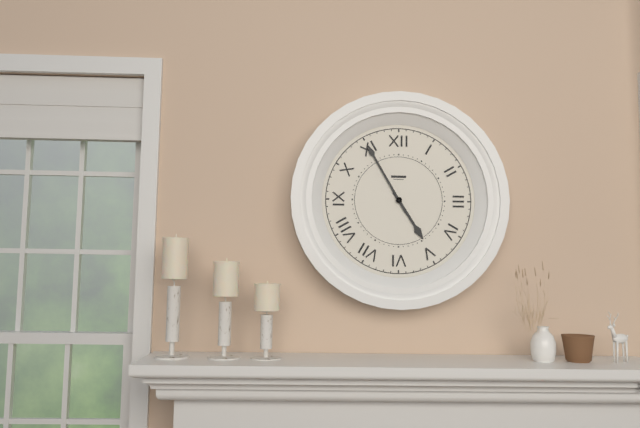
4:55
